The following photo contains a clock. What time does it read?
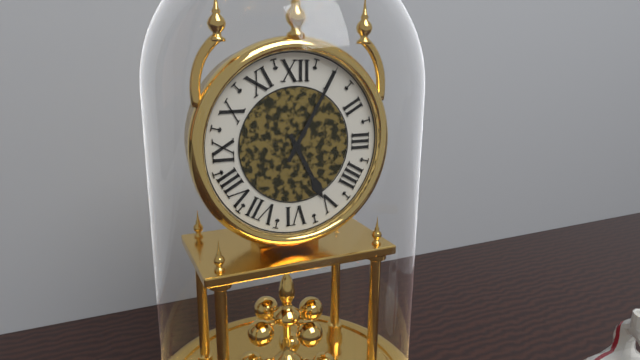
5:05
